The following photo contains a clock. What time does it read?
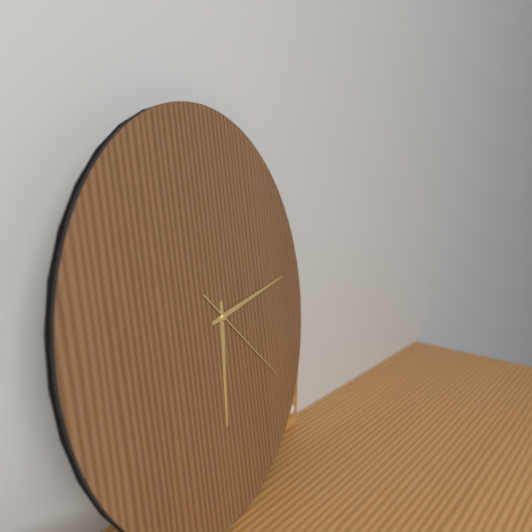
6:14:22
